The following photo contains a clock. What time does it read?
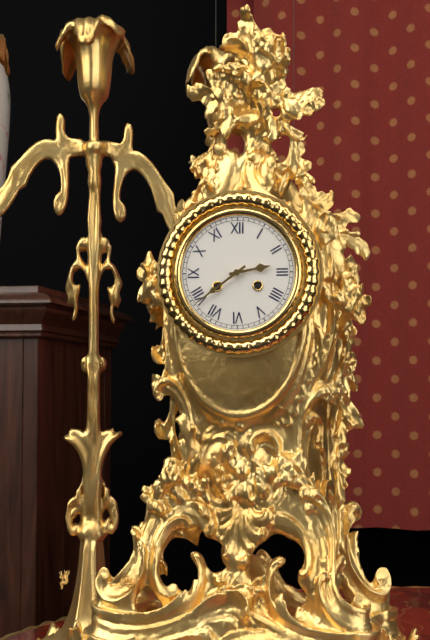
2:39
